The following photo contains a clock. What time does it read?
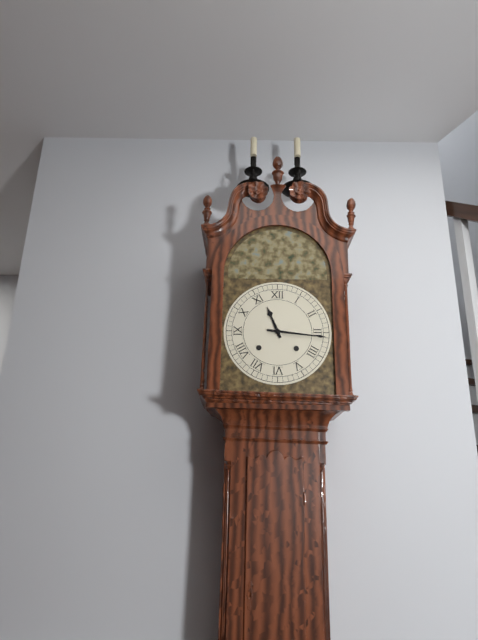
11:16
